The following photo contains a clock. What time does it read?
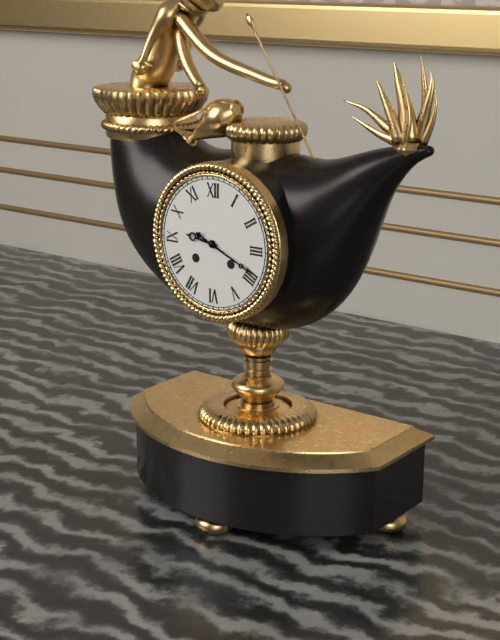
9:19
